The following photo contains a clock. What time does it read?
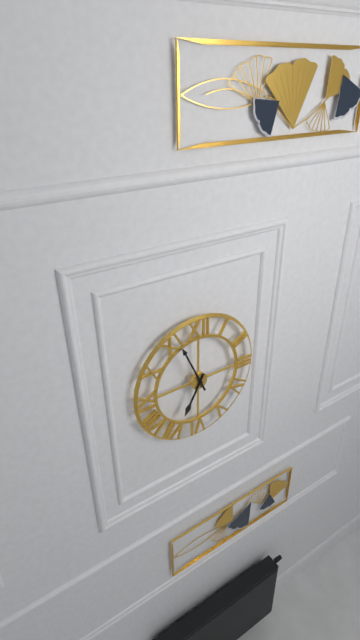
6:56
